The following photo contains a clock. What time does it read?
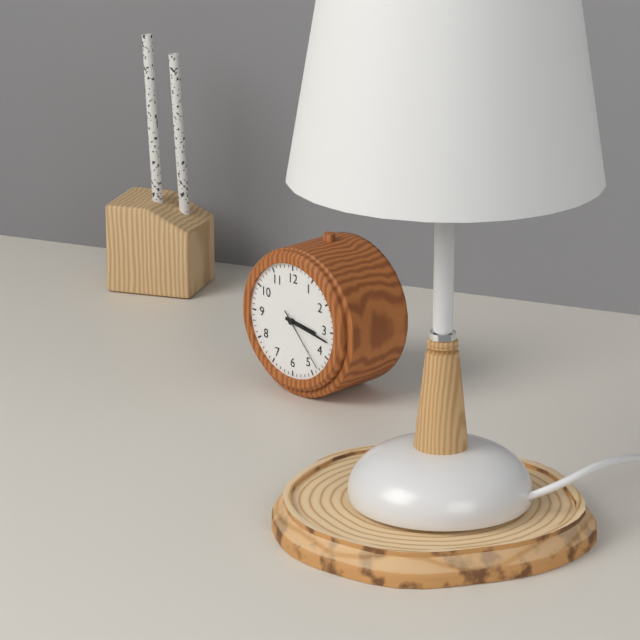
3:17:23
